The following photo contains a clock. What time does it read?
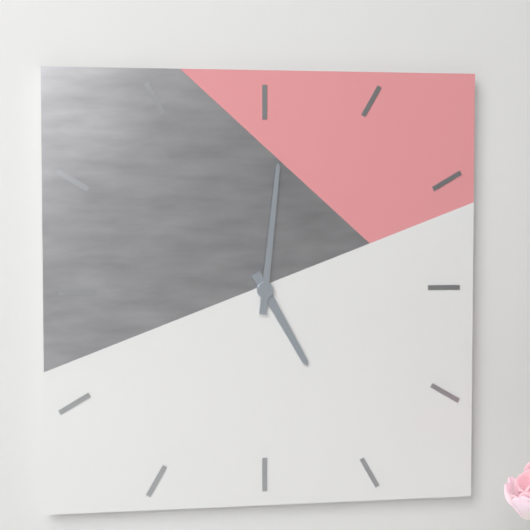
5:01
